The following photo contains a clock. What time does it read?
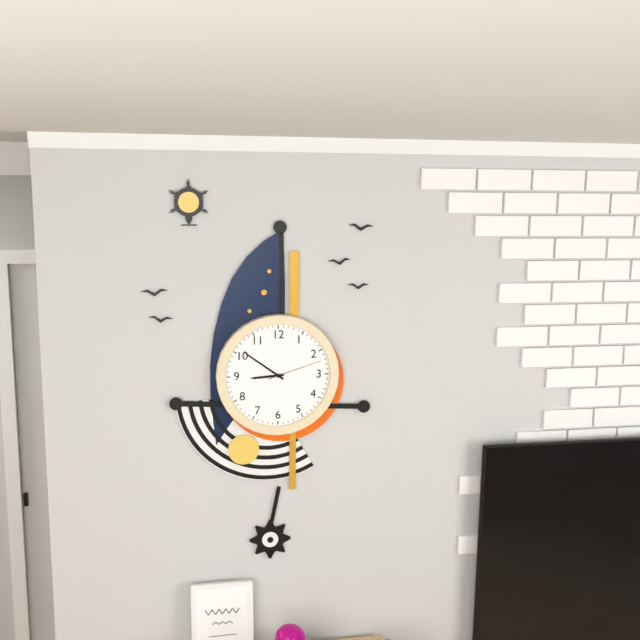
8:51:12
